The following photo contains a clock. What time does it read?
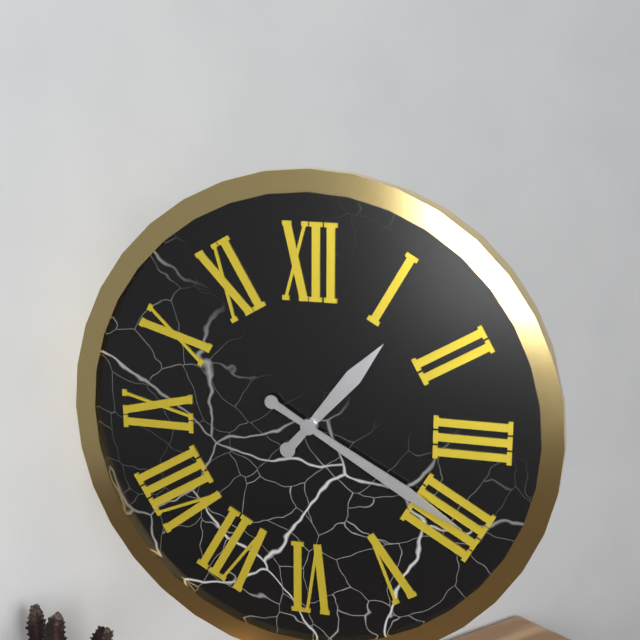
1:20
